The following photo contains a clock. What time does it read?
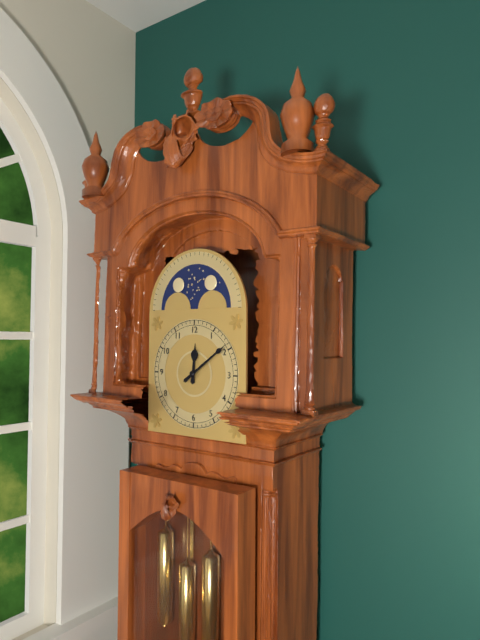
12:09
